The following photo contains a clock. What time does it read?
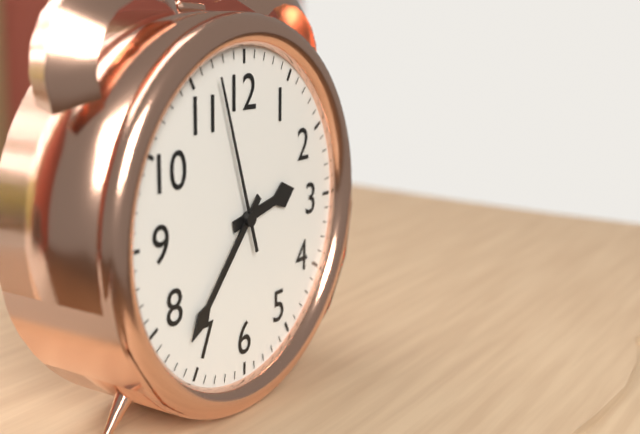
2:37:57
